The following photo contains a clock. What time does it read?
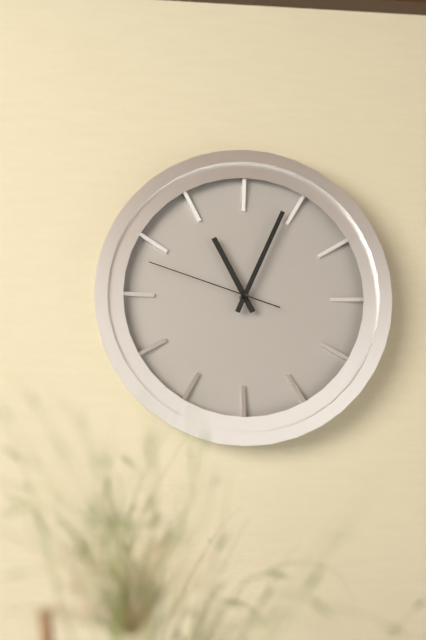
11:04:48
